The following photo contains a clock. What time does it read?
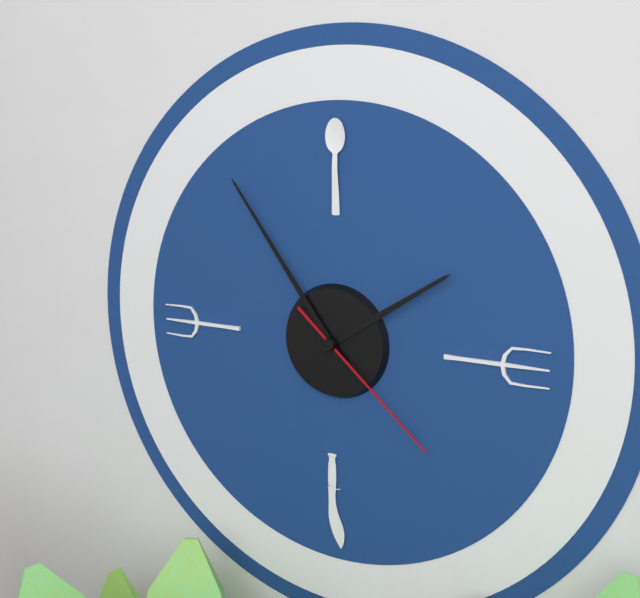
1:54:22
